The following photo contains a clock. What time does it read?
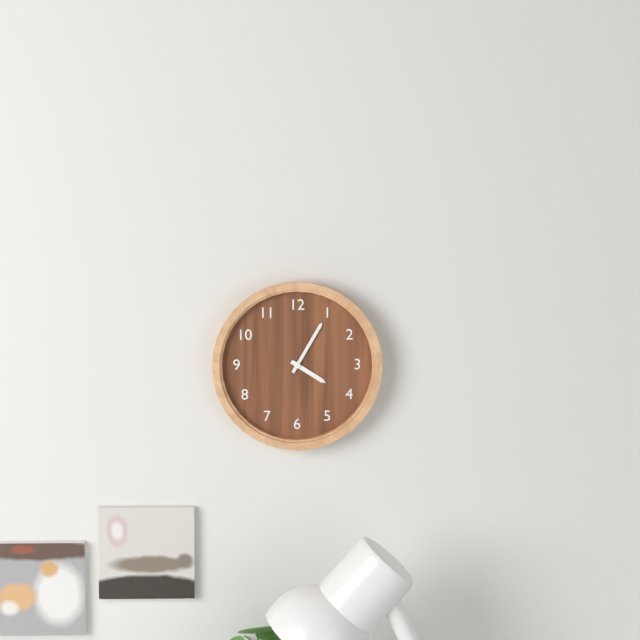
4:05
